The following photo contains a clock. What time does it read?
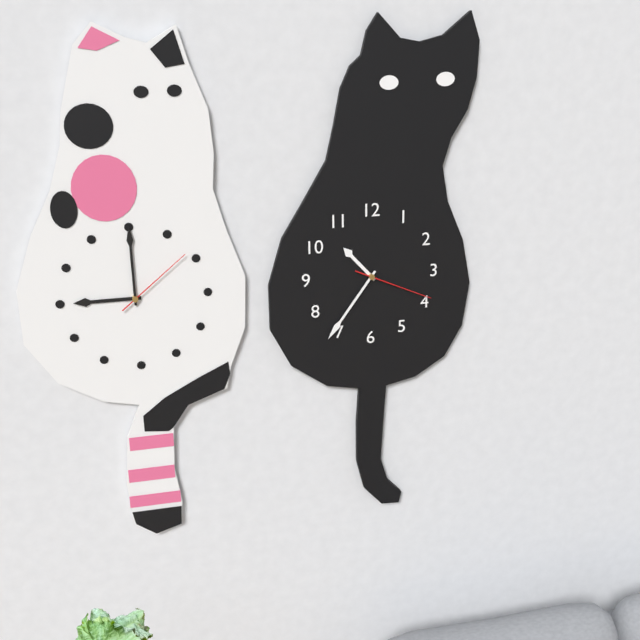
10:36:19
